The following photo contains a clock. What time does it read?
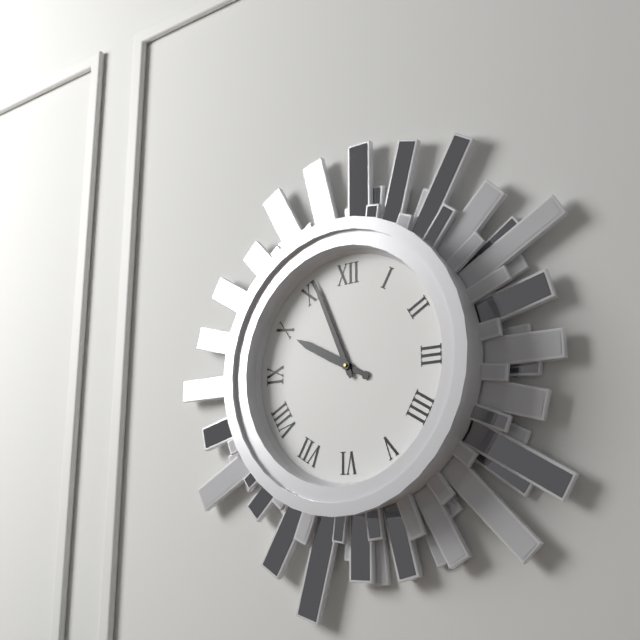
9:56
